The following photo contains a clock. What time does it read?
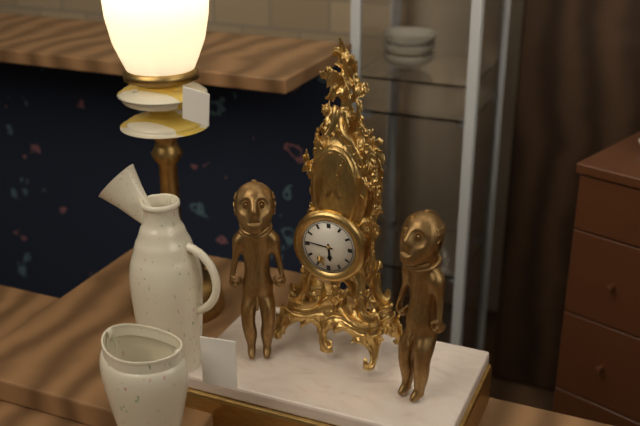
5:46
